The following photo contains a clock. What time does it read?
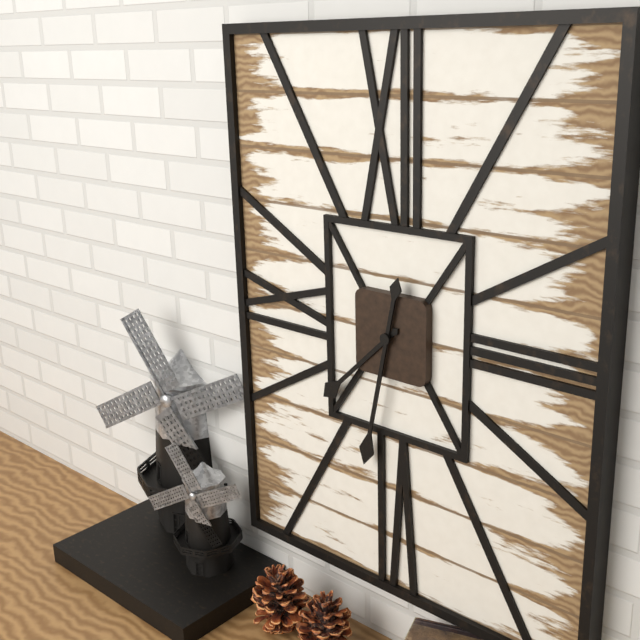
7:32
